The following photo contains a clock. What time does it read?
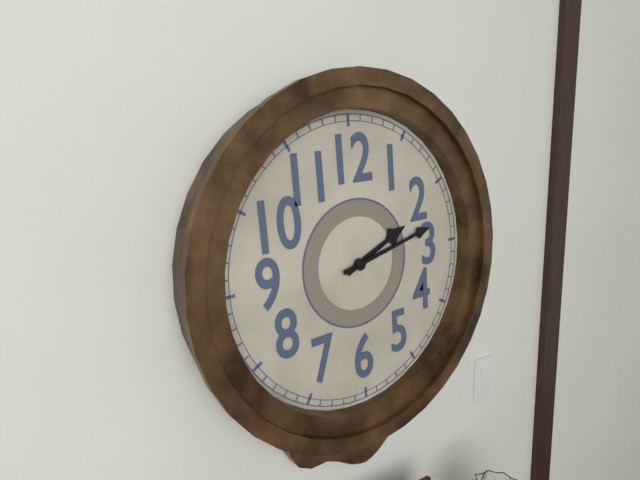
2:13
